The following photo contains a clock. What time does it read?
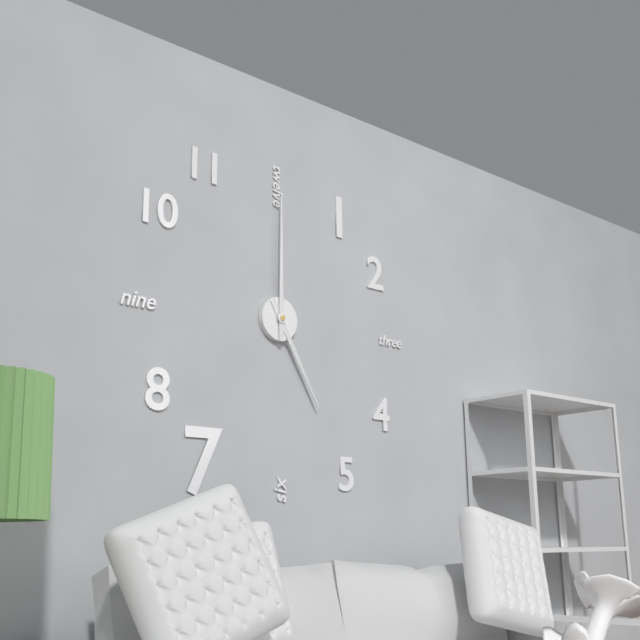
5:00
